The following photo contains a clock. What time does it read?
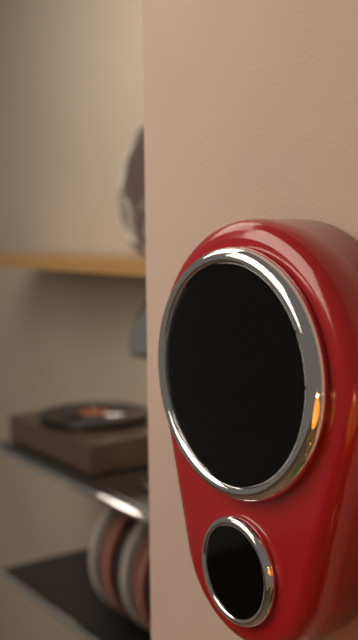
10:49:16
